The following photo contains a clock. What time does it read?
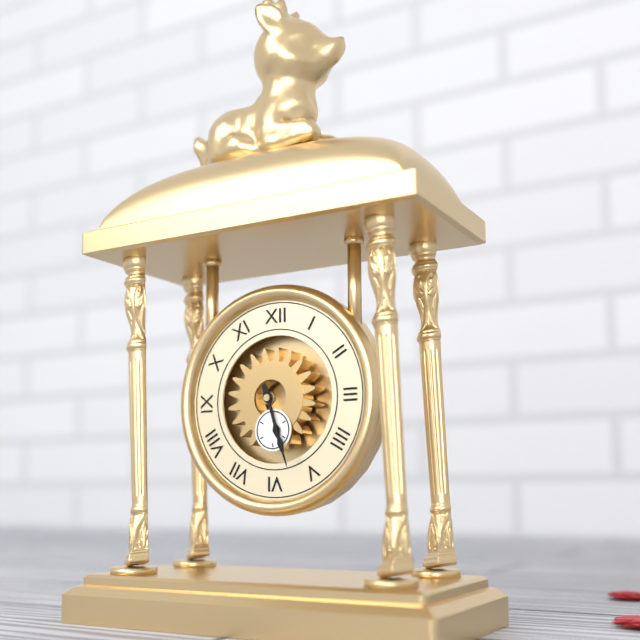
5:27
